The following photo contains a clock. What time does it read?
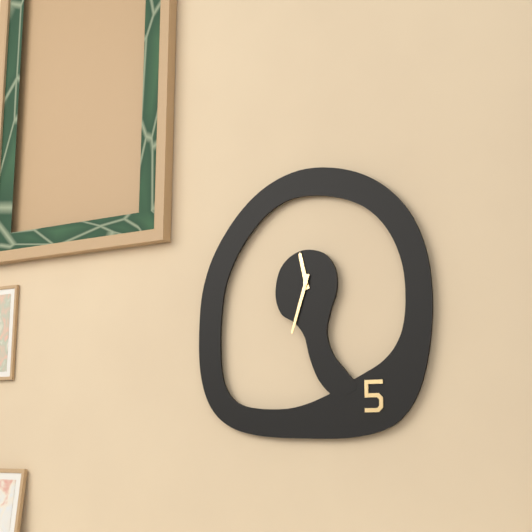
11:33
